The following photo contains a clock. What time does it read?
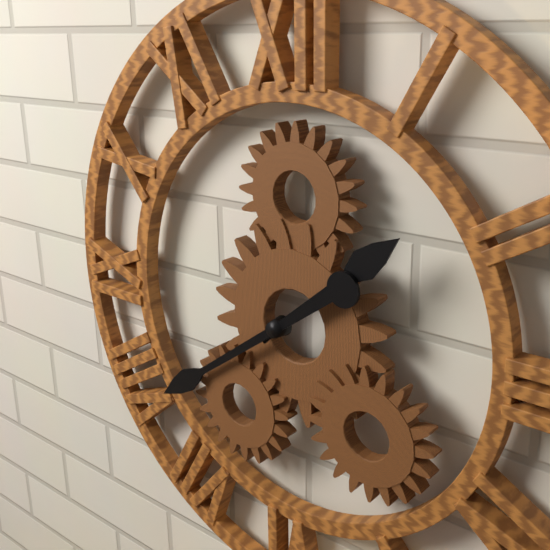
1:39
